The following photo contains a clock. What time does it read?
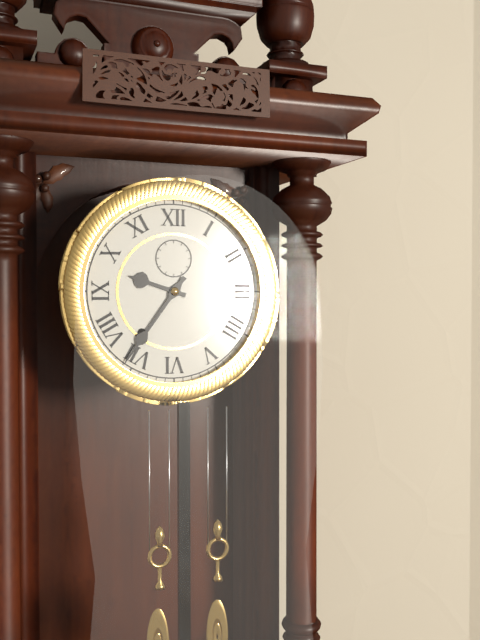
9:36
